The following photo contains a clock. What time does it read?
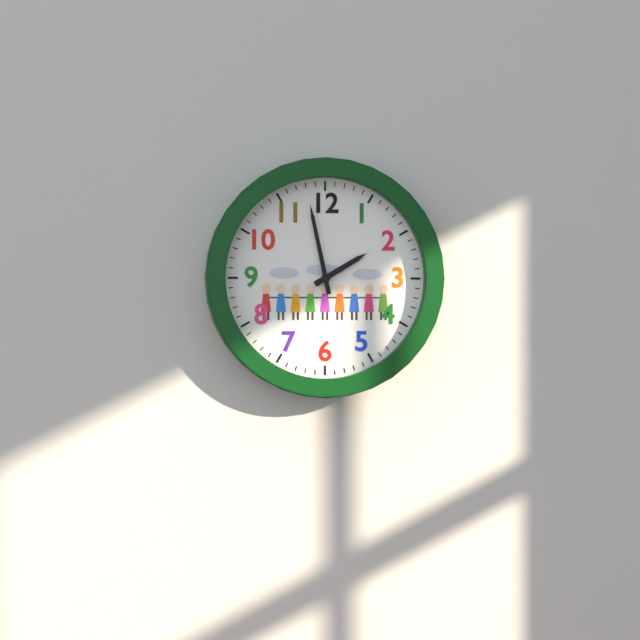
1:58
